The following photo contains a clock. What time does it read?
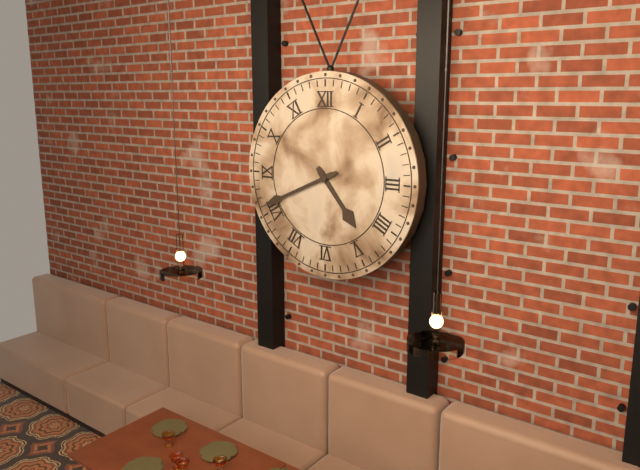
4:41
